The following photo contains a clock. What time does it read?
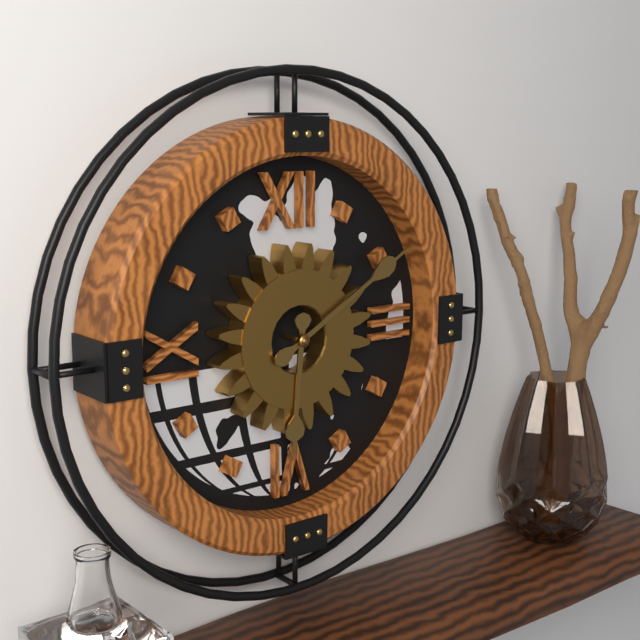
6:10
